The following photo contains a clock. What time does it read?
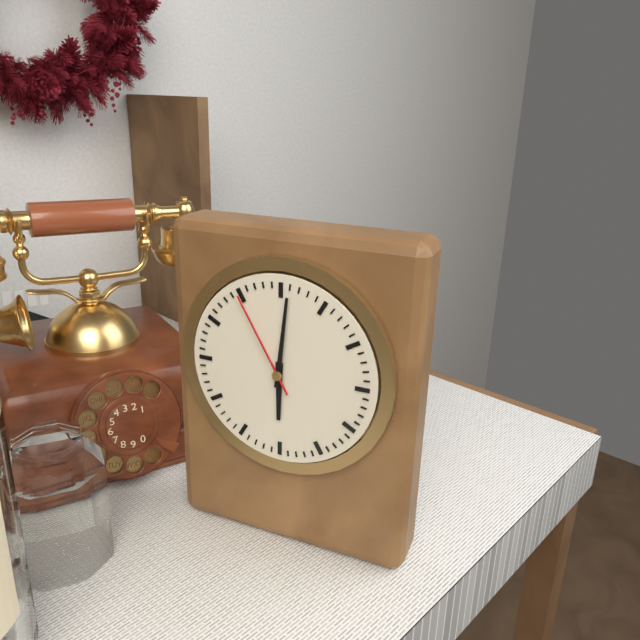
6:01:55
